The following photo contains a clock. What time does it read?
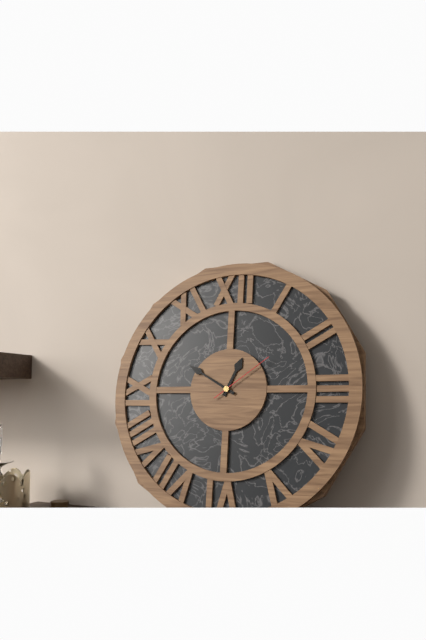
12:50:09
